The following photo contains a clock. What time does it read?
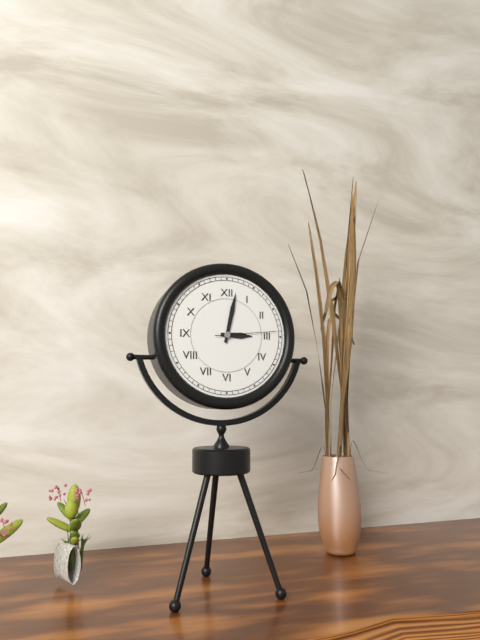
3:02:14
